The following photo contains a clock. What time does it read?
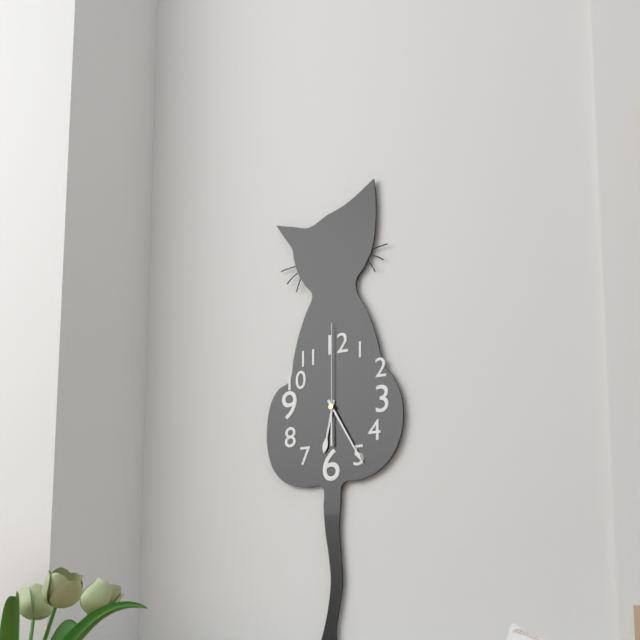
6:25:00
